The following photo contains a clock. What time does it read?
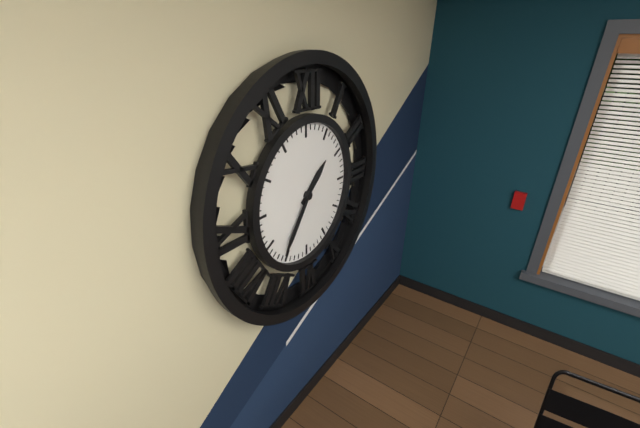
1:36
